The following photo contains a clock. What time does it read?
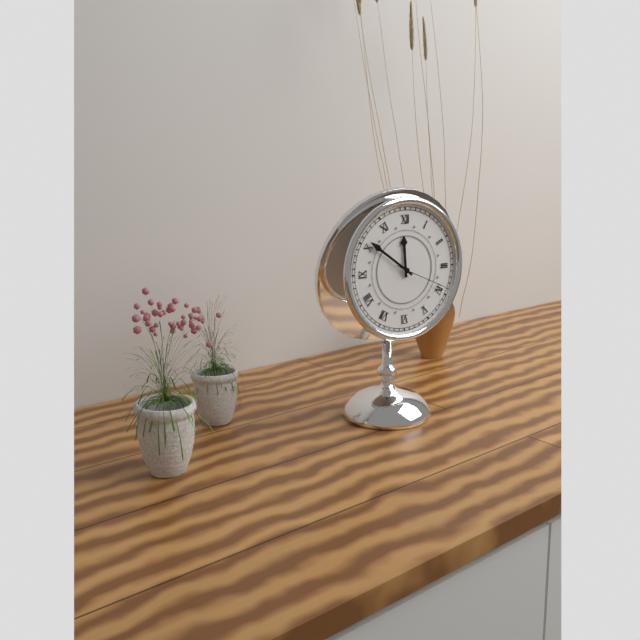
11:51:19
